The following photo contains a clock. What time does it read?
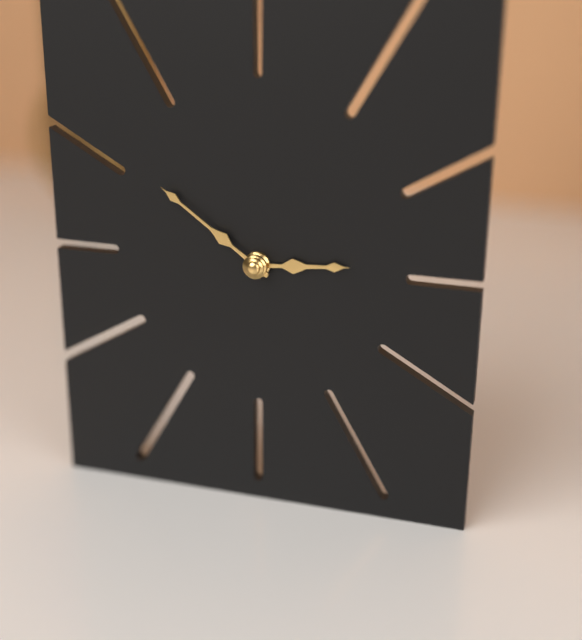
2:51
